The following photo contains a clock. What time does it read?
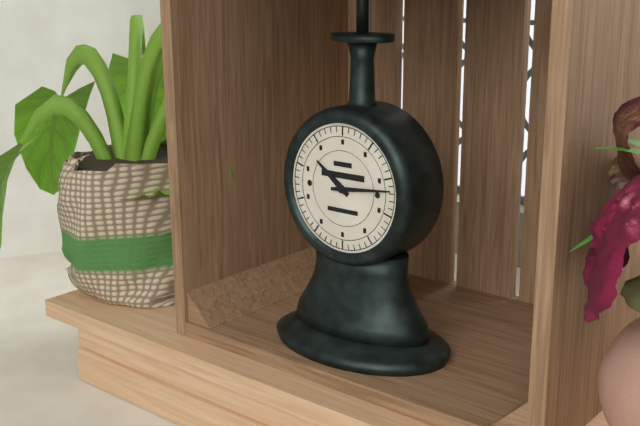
10:14
